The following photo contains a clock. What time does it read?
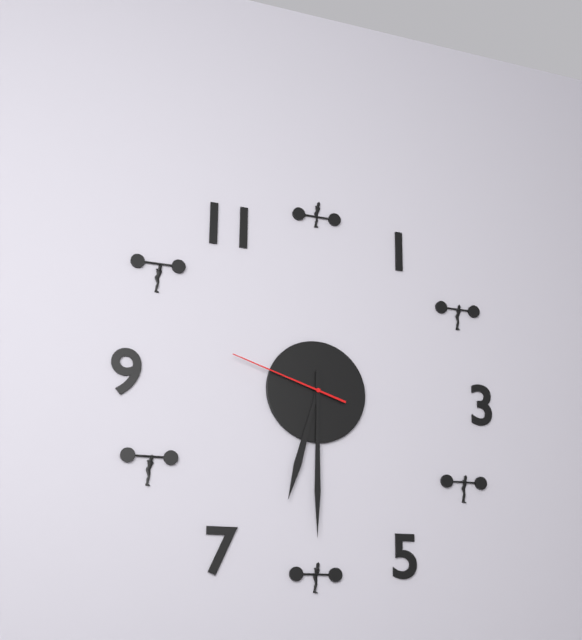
6:30:48
